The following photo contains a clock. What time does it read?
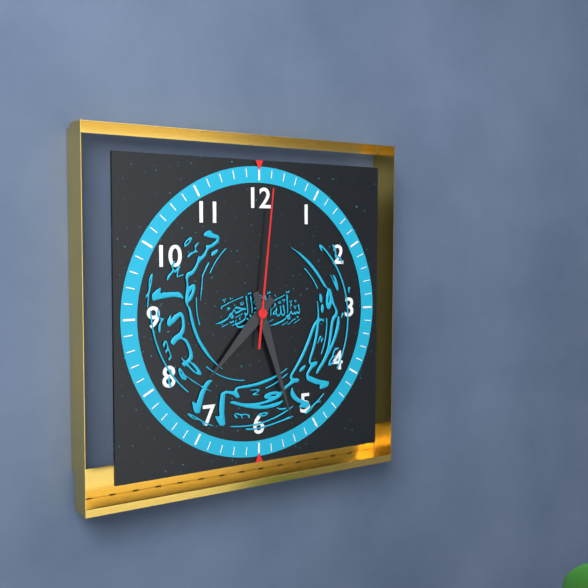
7:27:01
